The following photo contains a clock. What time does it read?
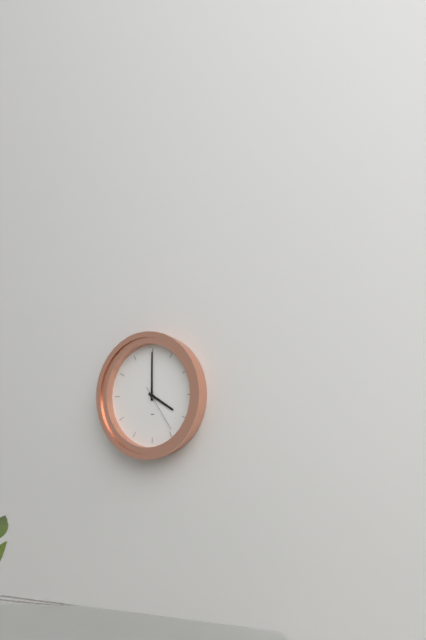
4:00
